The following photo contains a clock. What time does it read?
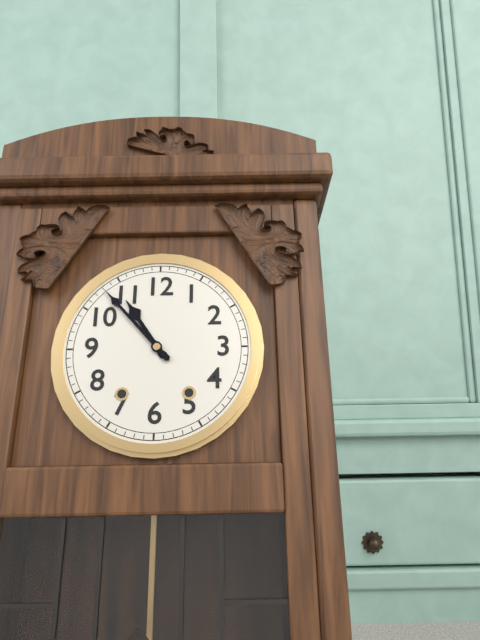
10:53
